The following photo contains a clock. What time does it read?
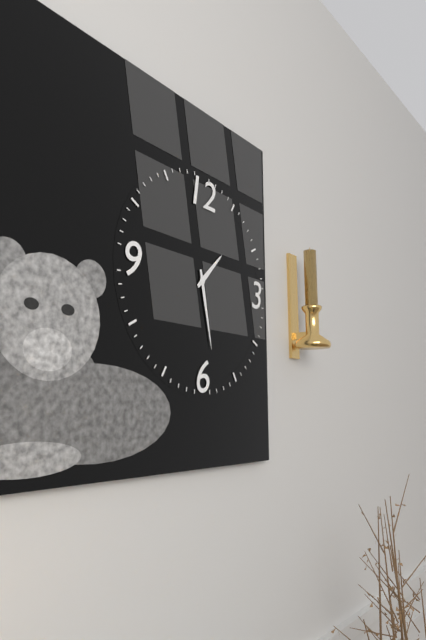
1:28
